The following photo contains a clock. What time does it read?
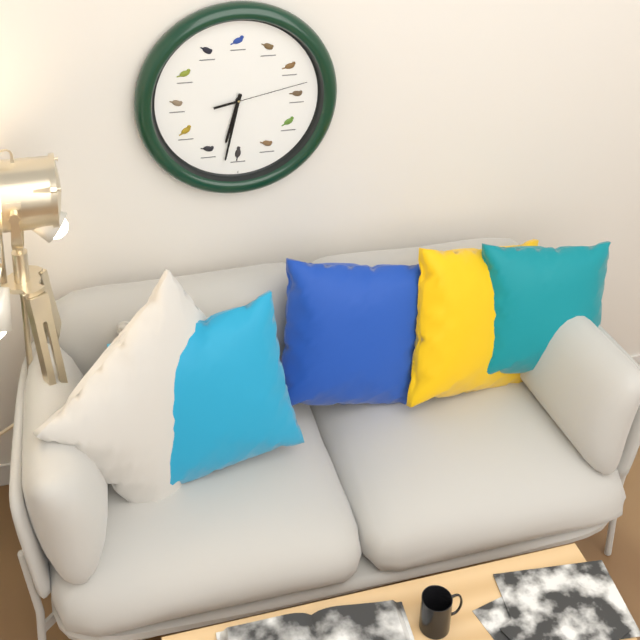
6:32:13
